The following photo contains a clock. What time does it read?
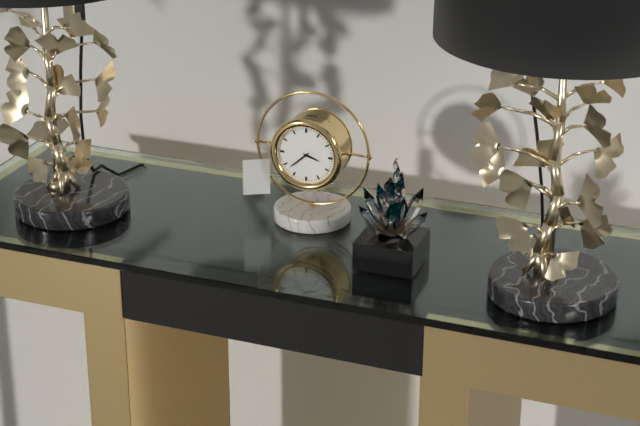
3:38
